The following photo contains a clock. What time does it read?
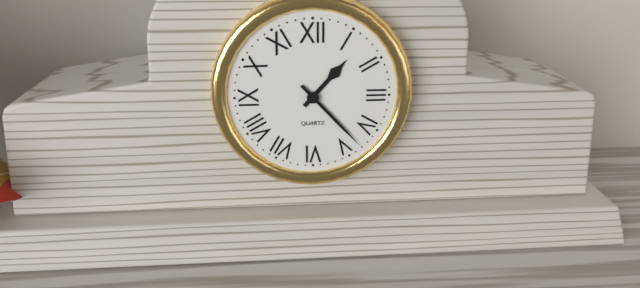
1:23
